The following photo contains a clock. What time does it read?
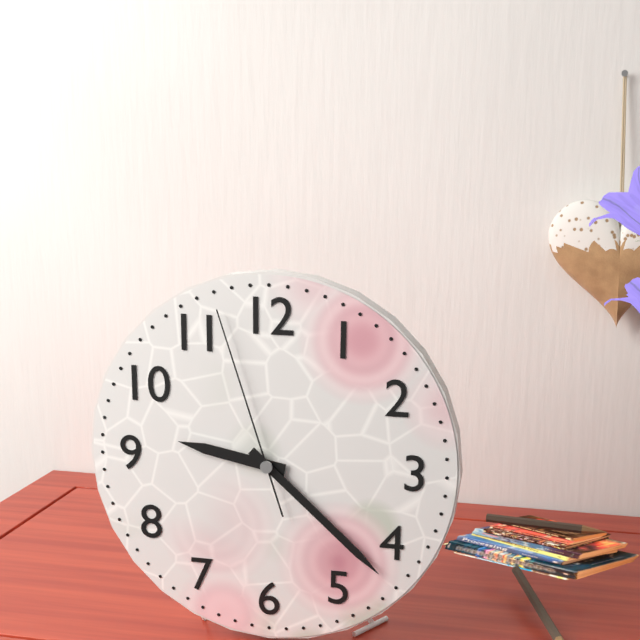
9:22:57
